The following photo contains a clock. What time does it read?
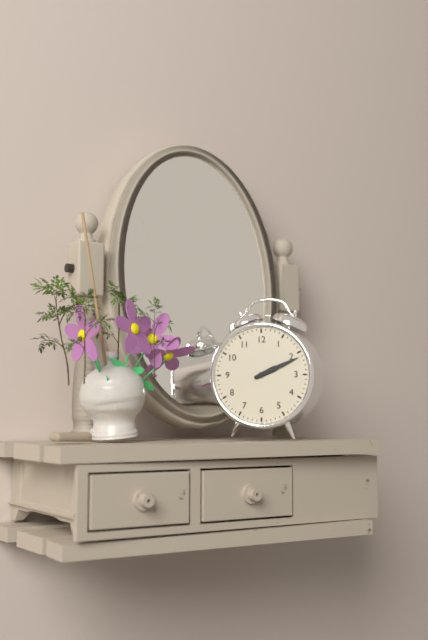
2:11
